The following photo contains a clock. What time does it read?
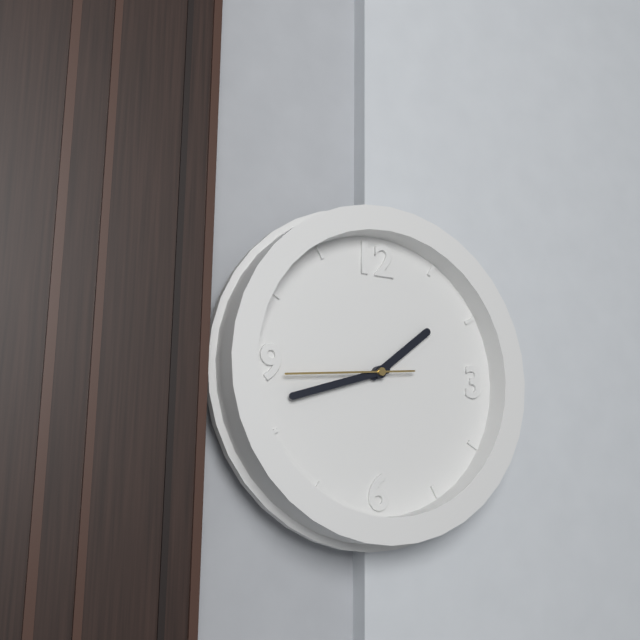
1:42:44
